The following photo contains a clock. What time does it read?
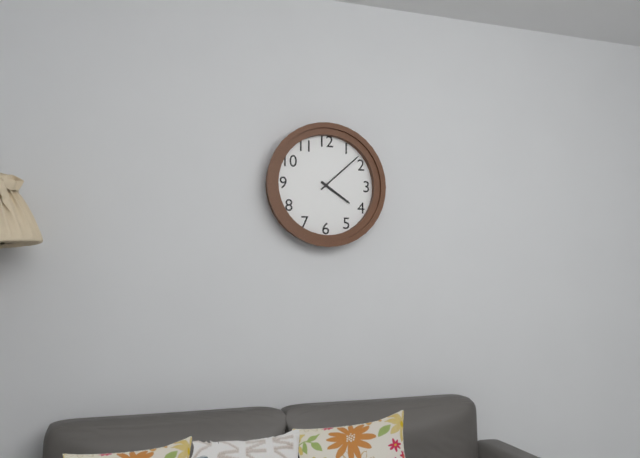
4:08
